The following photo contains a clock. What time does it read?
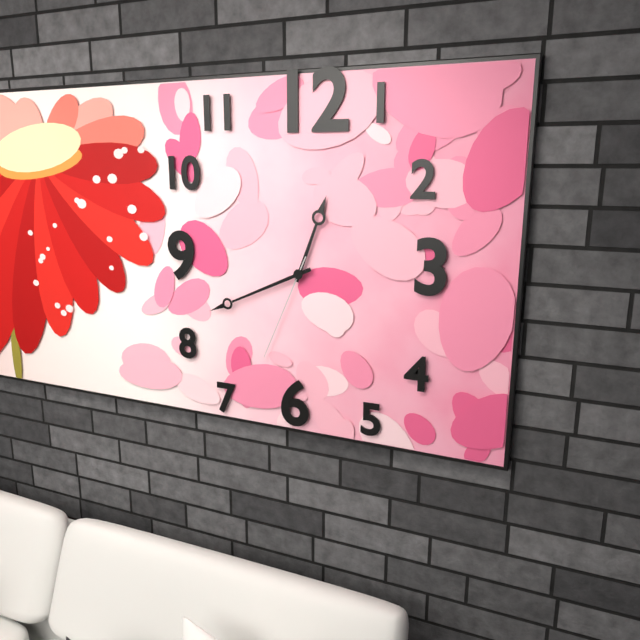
12:41:34
